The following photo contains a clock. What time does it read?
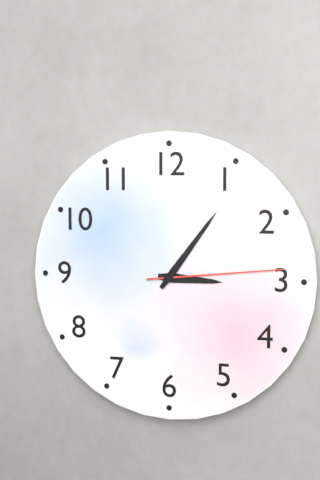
3:06:14
